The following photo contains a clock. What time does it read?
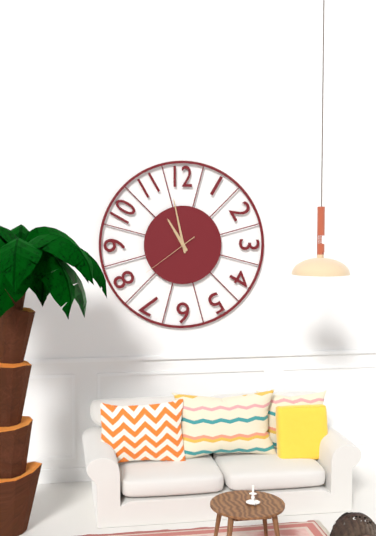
10:58:39
